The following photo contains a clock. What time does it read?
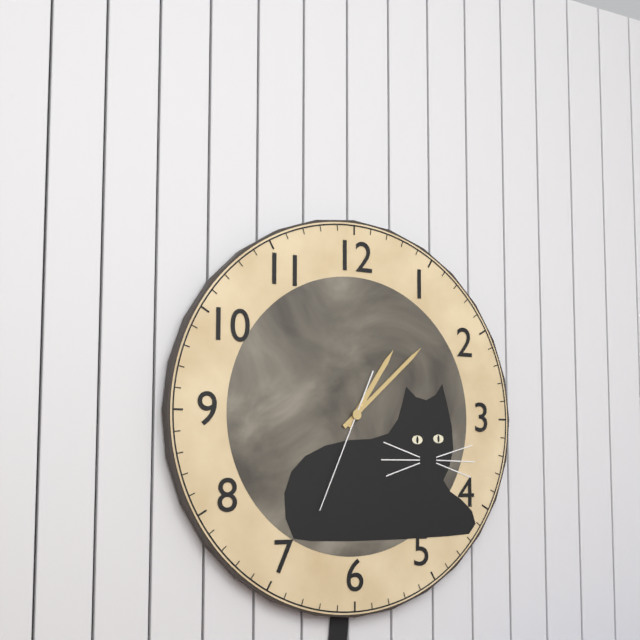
1:08:34
